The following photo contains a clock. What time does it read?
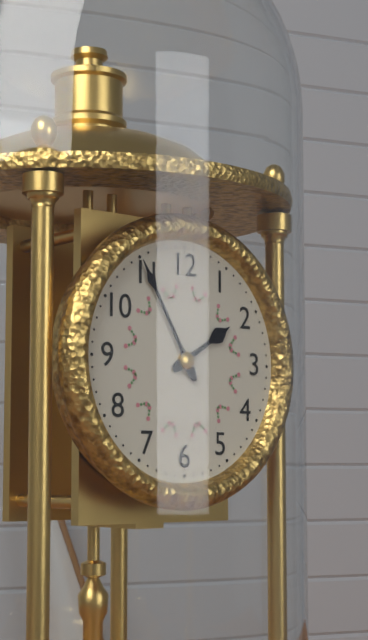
1:55
